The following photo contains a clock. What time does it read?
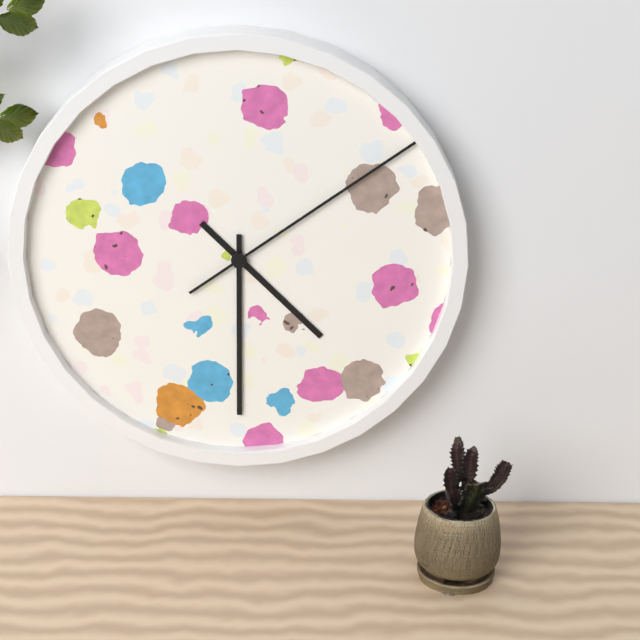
4:30:09
